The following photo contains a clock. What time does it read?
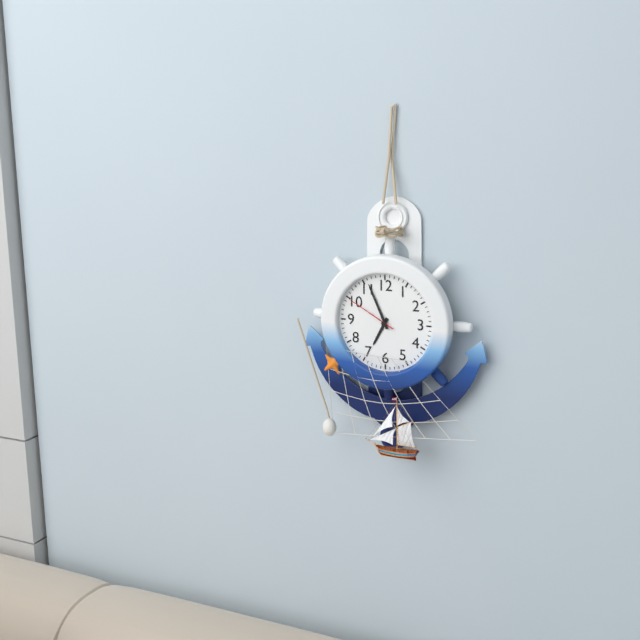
6:56:50
